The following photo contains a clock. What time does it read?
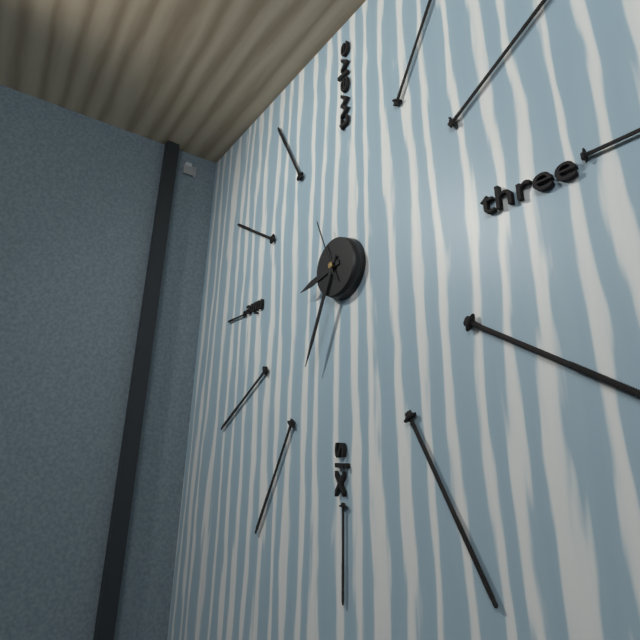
8:34:56
